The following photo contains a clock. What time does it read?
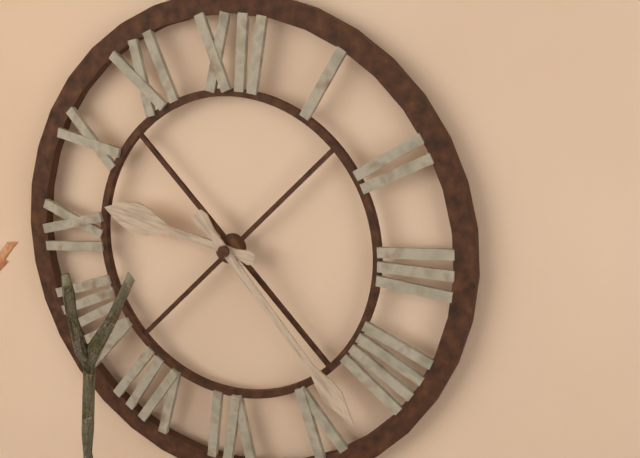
9:23
